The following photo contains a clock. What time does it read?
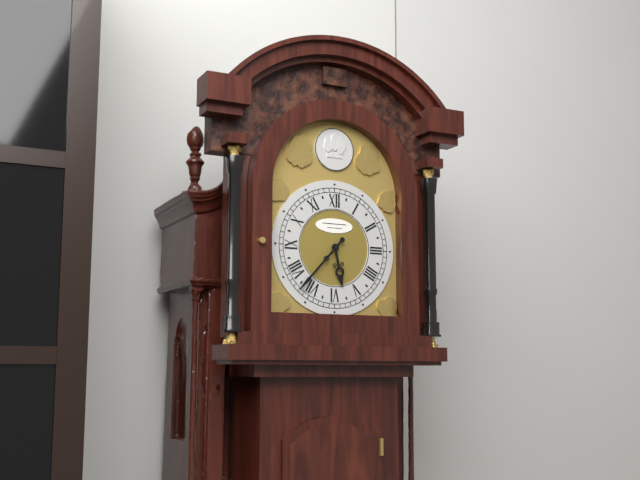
5:37
